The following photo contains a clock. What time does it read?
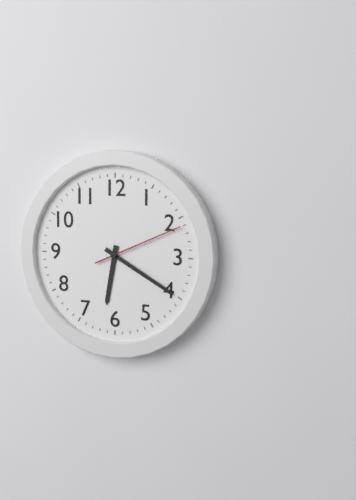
6:20:11
